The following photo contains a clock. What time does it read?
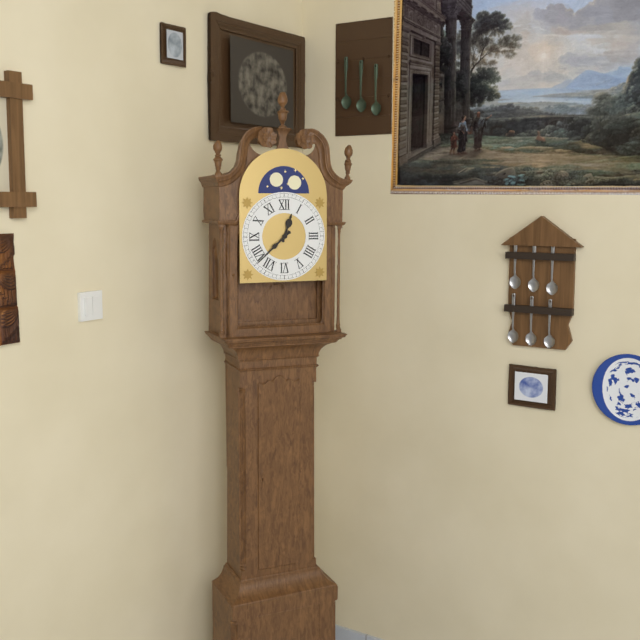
12:38
